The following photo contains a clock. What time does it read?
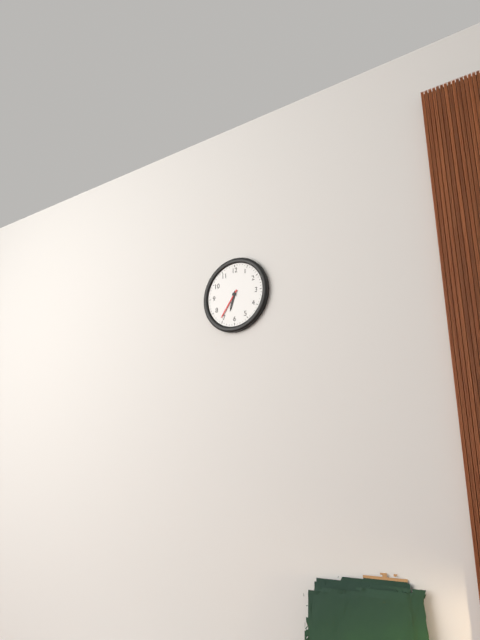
6:36
